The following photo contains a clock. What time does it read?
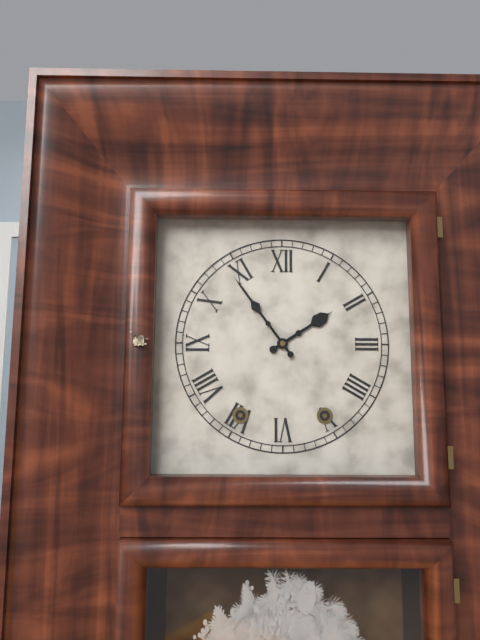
1:54
